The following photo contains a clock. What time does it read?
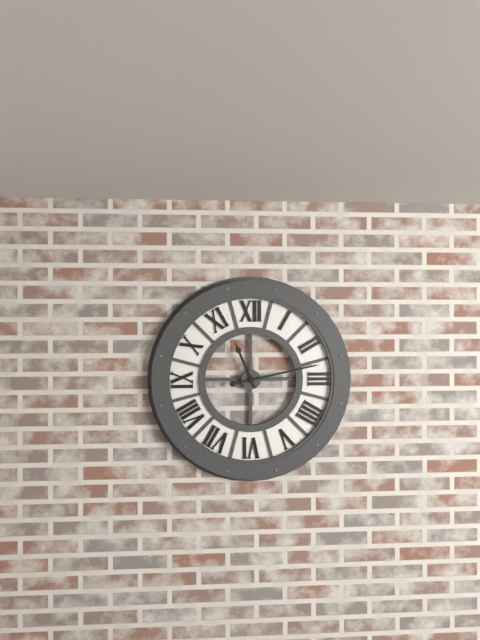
11:13
